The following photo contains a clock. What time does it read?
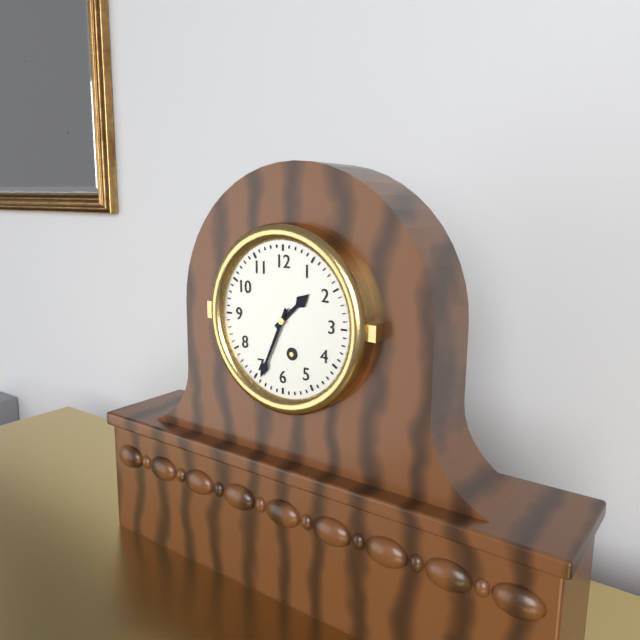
1:34
